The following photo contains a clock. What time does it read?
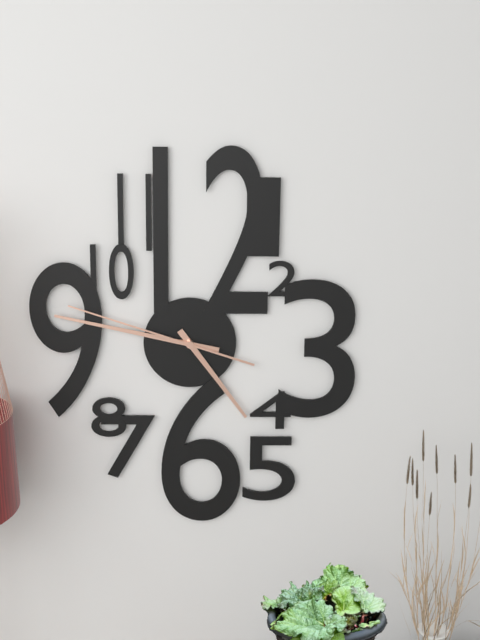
4:47:48
